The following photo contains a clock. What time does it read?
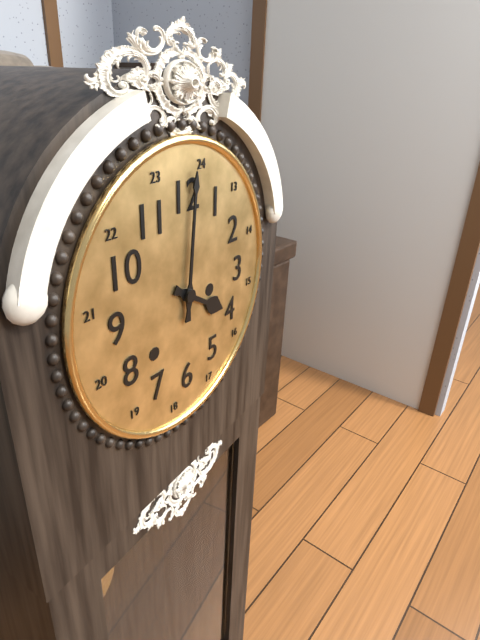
4:01
